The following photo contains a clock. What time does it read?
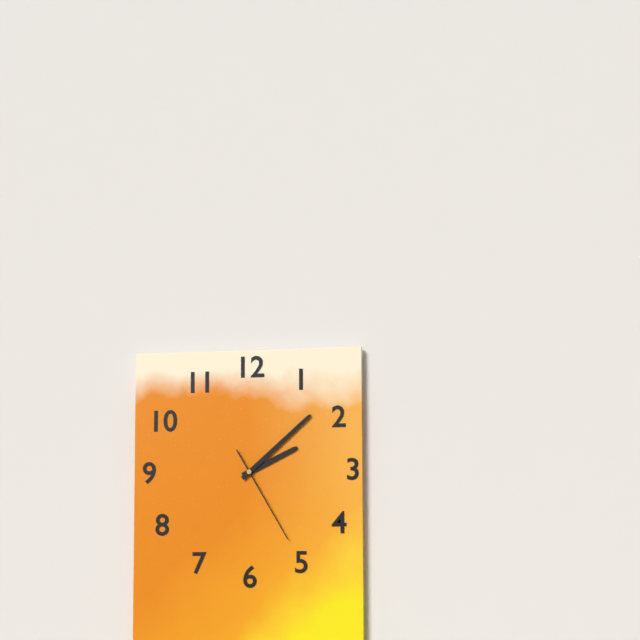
2:08:25
